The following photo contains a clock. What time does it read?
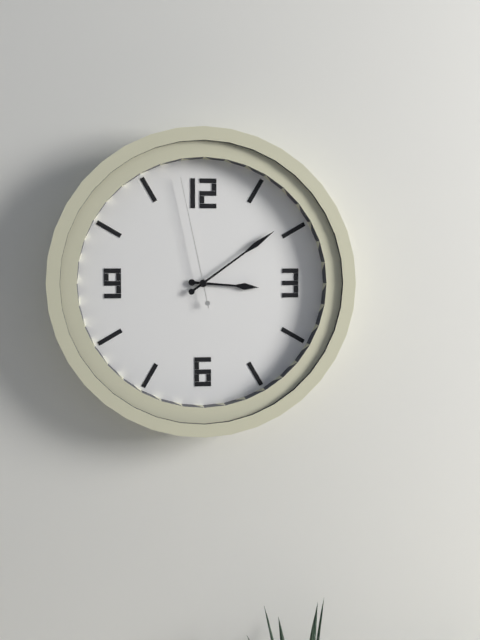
3:09:58
